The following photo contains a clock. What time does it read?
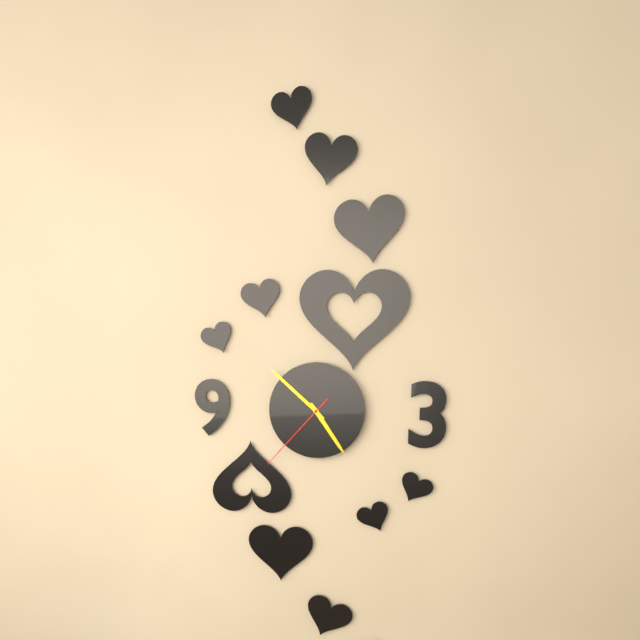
4:52:37
